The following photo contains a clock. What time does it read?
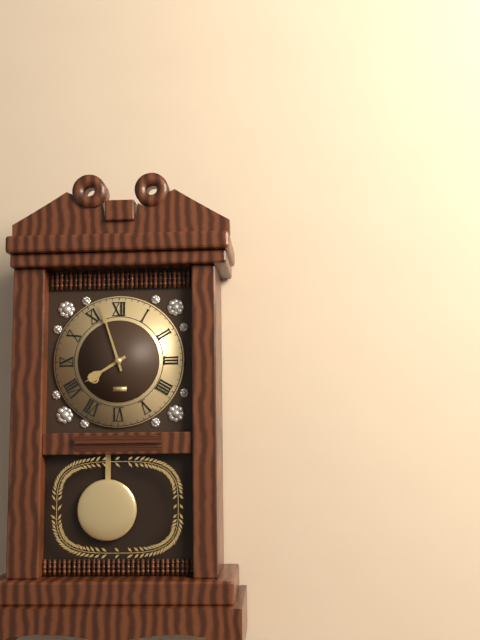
7:57
